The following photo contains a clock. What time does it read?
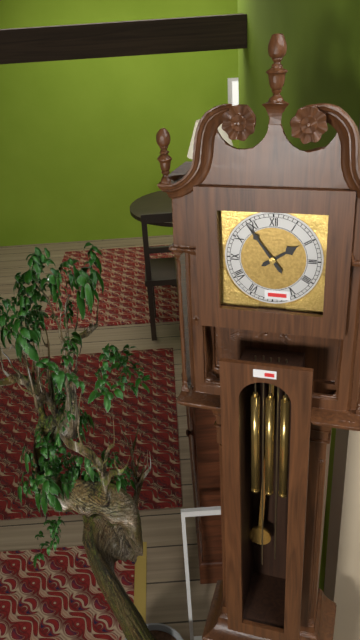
1:54
